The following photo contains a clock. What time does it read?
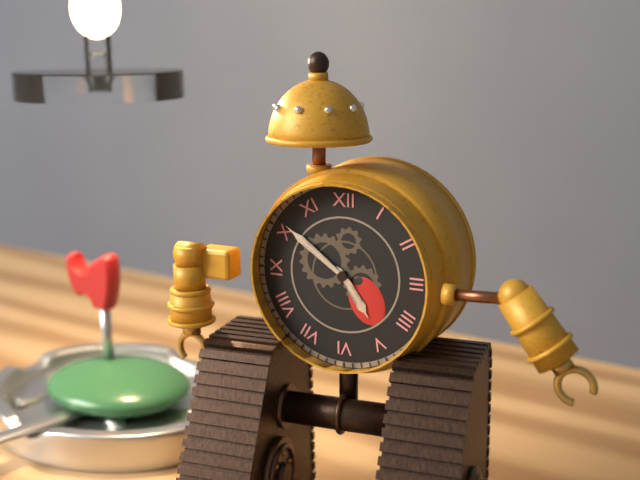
4:51
